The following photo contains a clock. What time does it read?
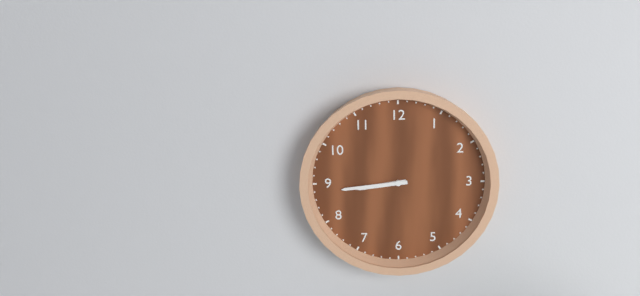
8:44
